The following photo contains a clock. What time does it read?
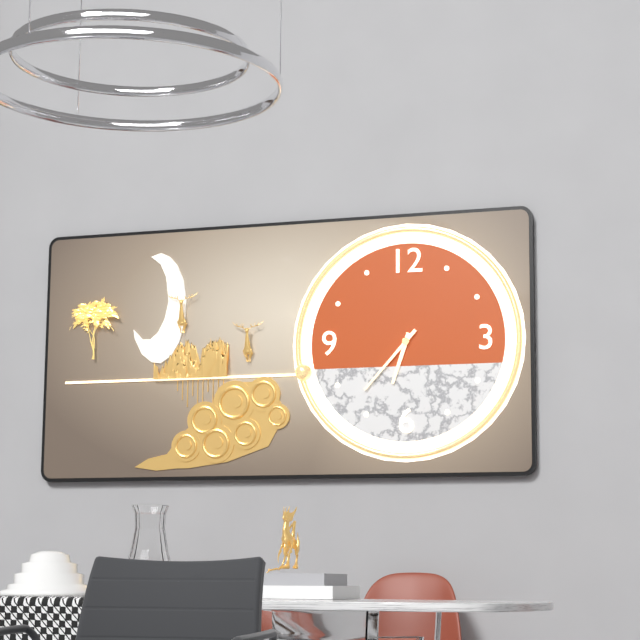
6:37
